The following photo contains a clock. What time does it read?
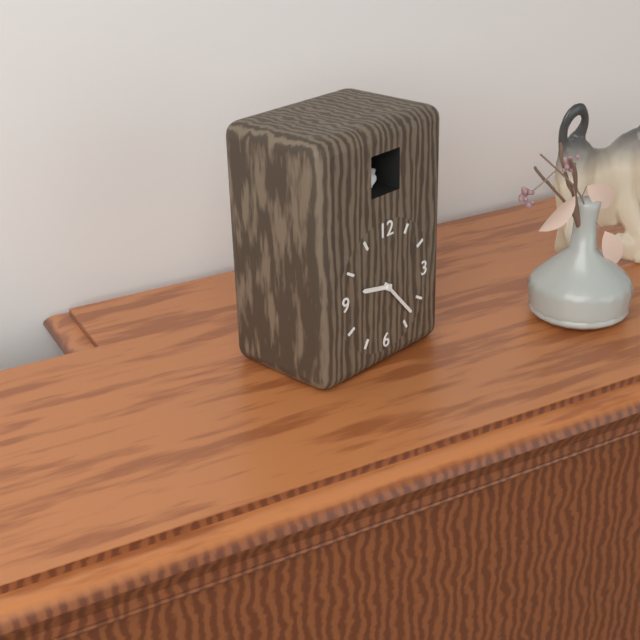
9:23
